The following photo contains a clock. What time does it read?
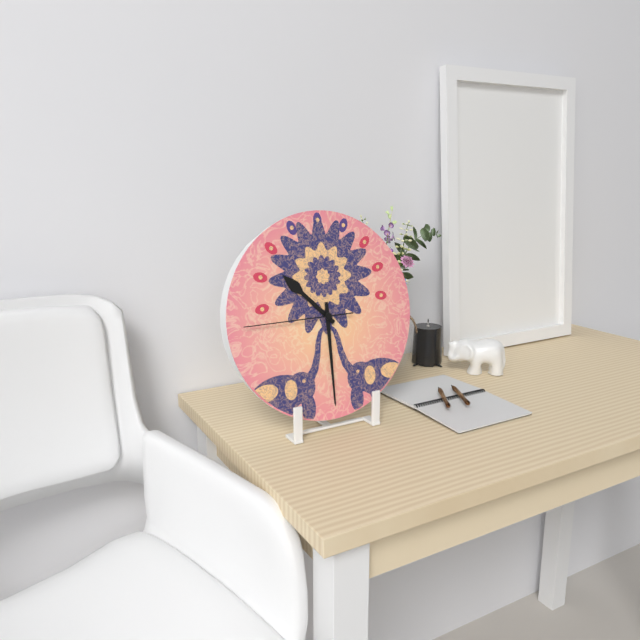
10:30:45
